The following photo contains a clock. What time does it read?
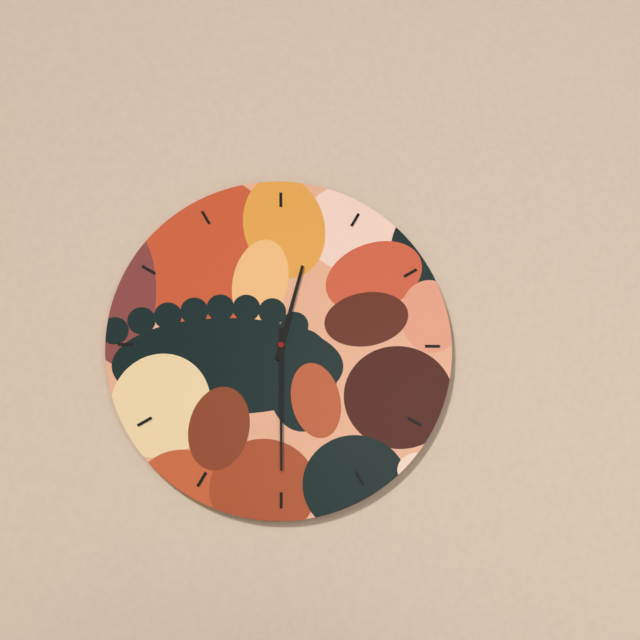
12:30
